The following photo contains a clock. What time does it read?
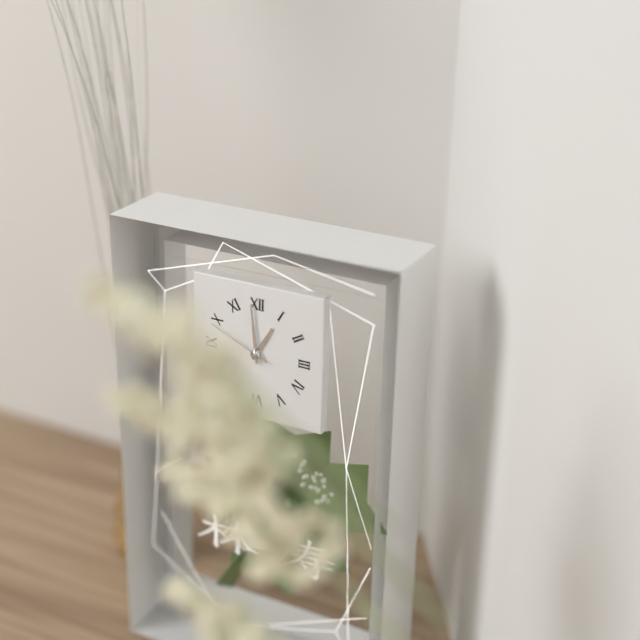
12:59:49
